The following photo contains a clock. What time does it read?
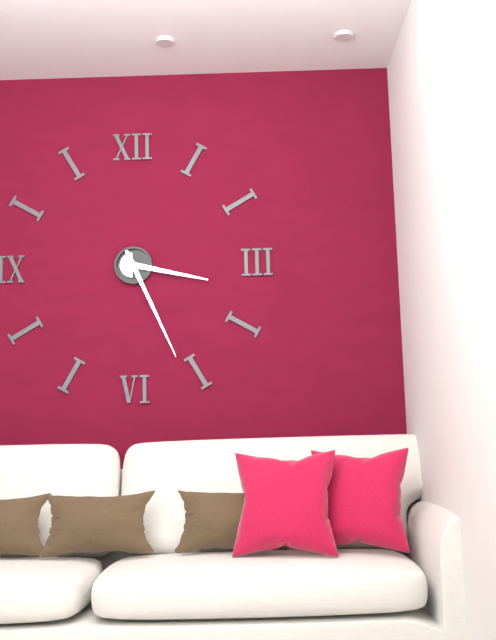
3:26
